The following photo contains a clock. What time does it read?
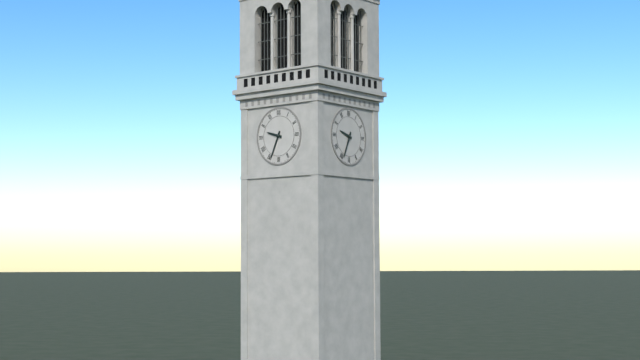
9:34
